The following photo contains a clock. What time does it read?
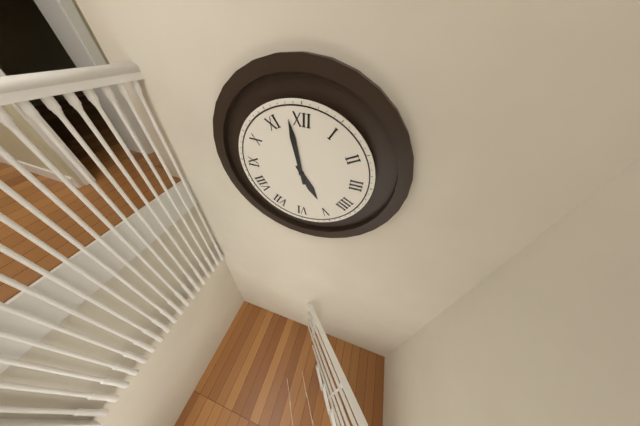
4:58
